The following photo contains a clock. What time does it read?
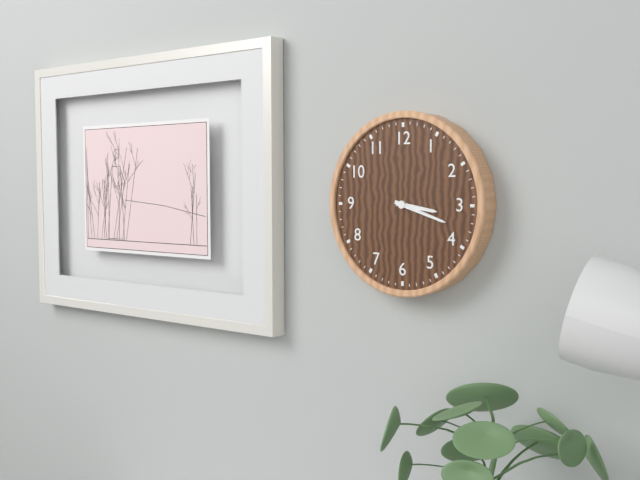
3:18
